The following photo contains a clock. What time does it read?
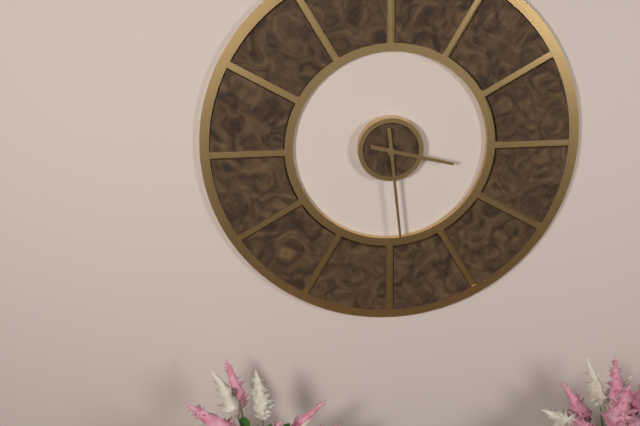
3:29
